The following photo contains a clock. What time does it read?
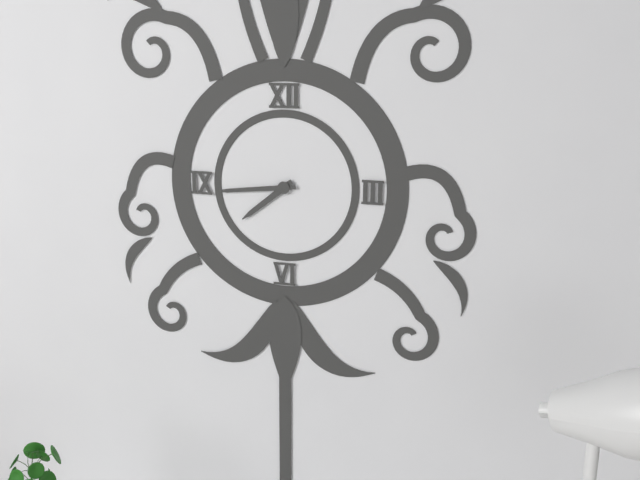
7:44
